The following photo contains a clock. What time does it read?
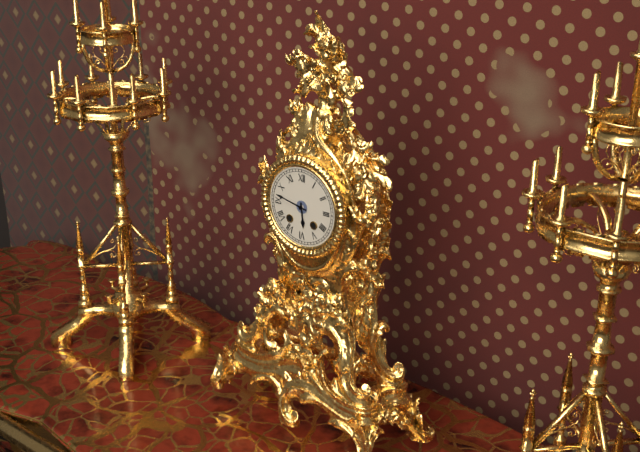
5:47
